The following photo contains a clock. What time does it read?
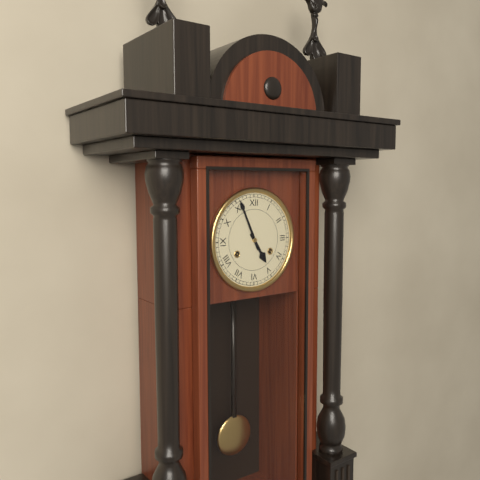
4:56
